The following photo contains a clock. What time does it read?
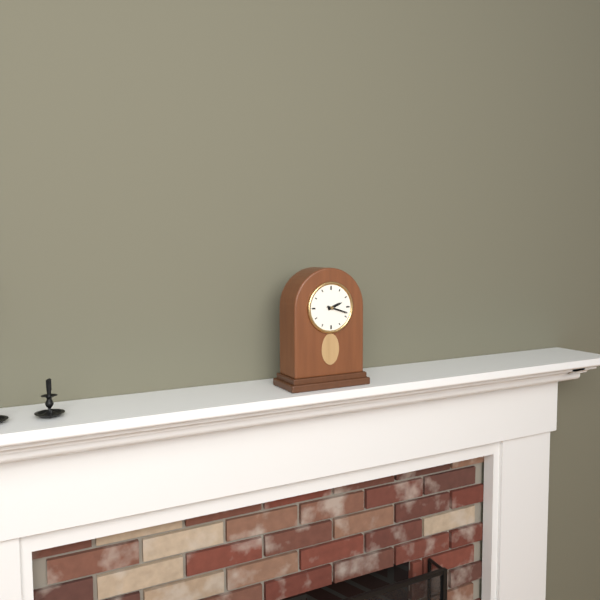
2:18
